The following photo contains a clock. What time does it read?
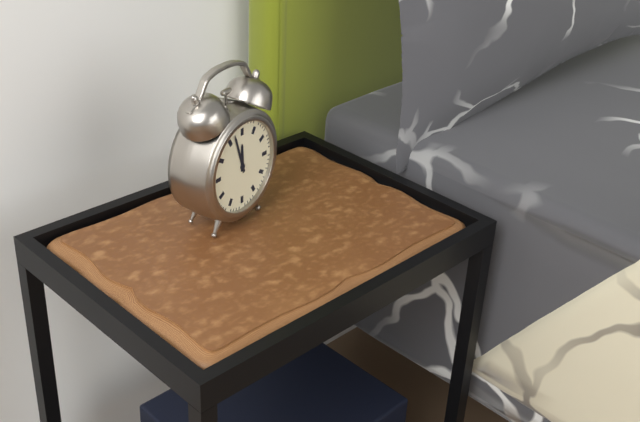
11:57
